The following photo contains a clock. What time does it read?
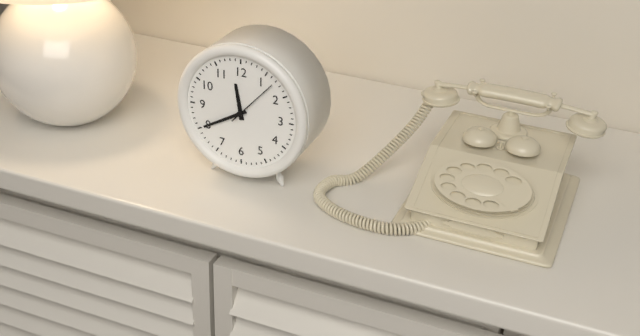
11:40:07
